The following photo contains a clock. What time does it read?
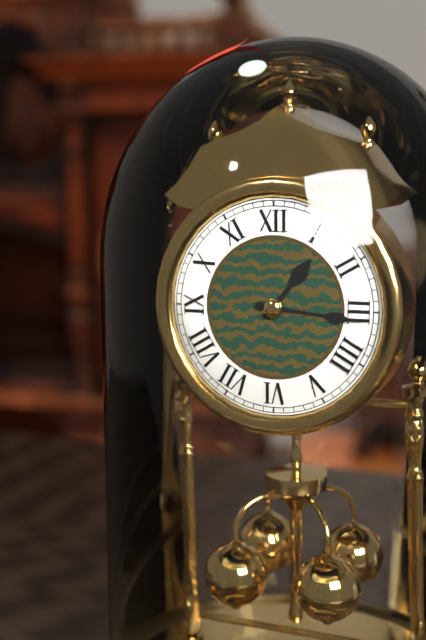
1:16
